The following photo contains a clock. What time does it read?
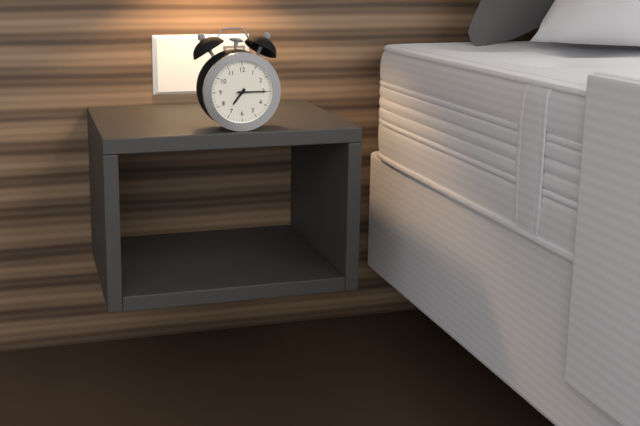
7:15
